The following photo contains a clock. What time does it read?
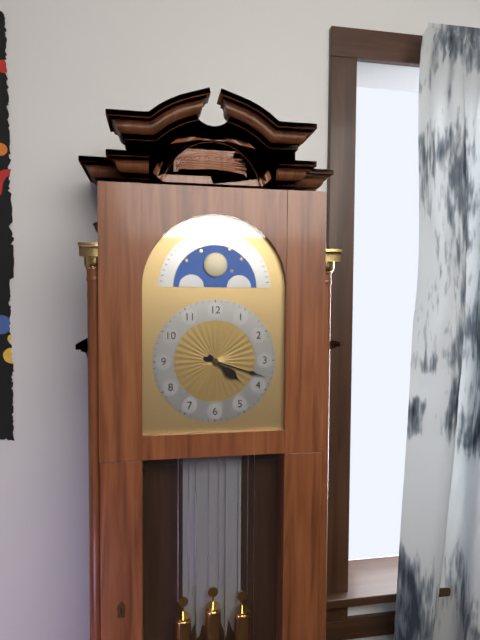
4:18
